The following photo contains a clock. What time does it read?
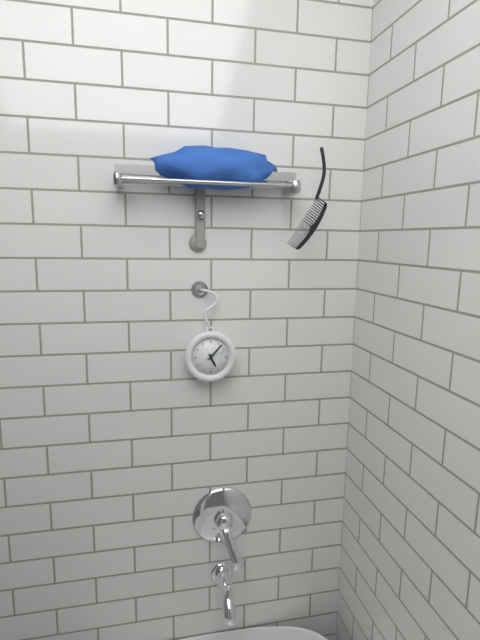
5:07
